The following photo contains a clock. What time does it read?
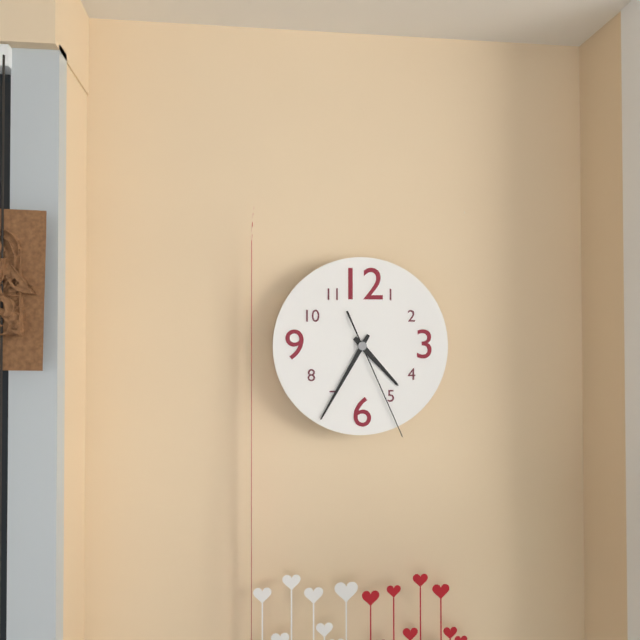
4:35:26
